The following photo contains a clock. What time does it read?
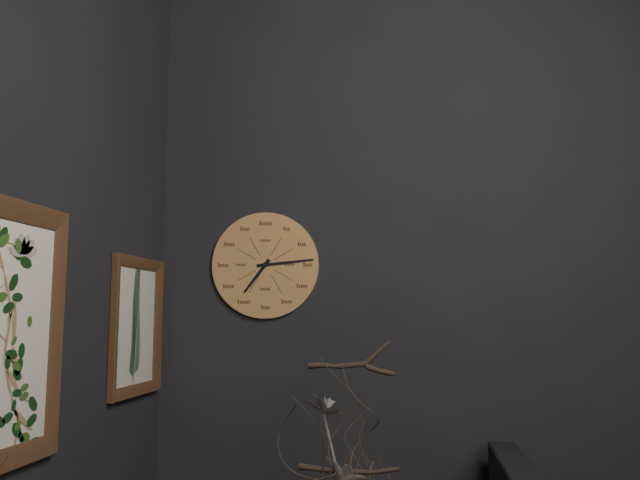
7:14
